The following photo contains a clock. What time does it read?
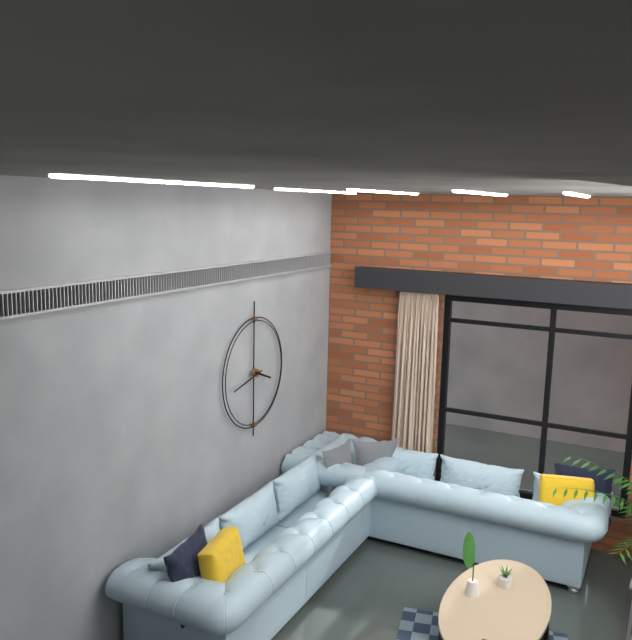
3:43
